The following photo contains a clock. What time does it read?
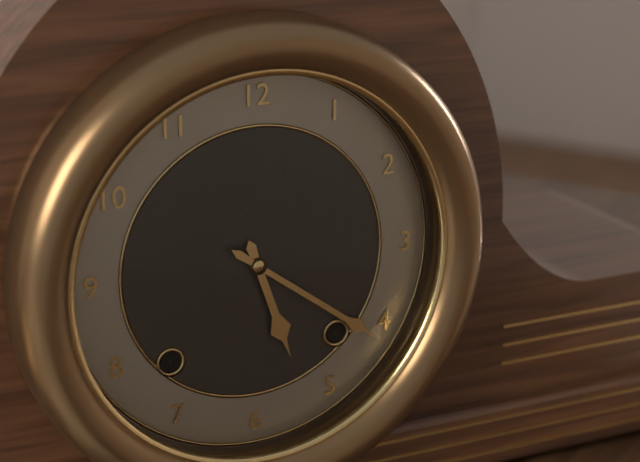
5:21
